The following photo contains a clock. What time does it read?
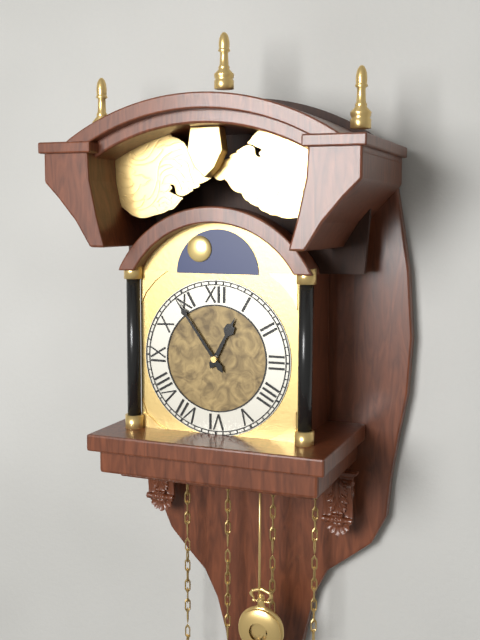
12:54
